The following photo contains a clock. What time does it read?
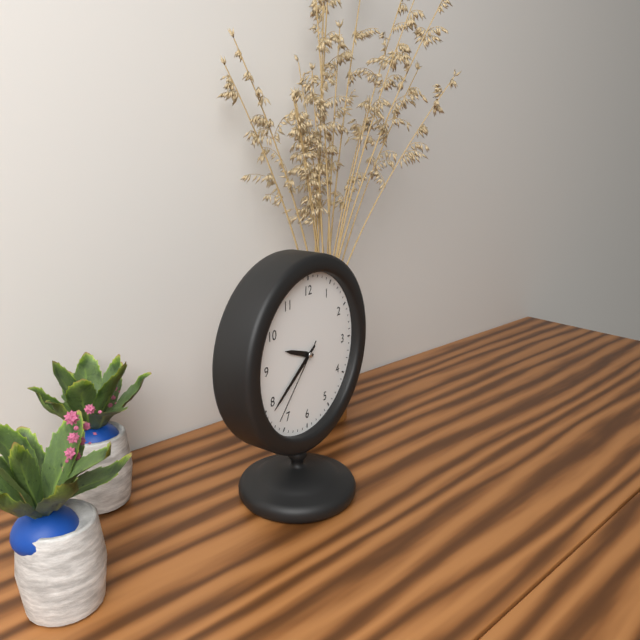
9:39:37
